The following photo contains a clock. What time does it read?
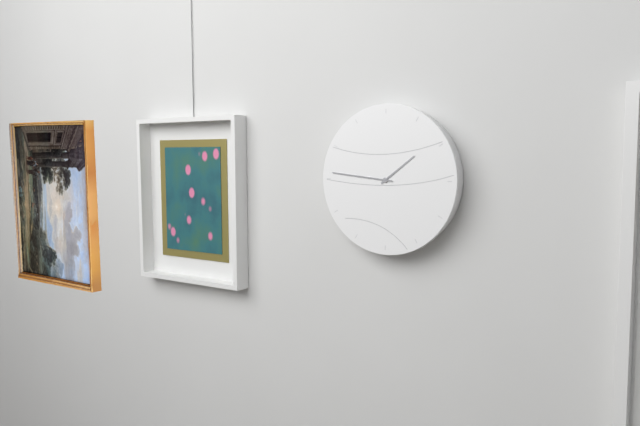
1:46
